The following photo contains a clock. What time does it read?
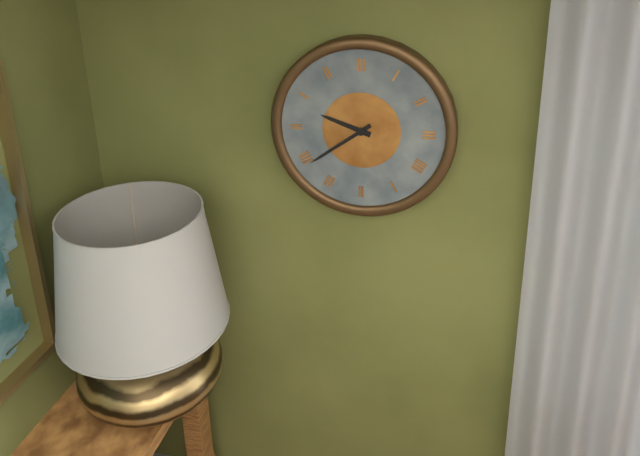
9:39
